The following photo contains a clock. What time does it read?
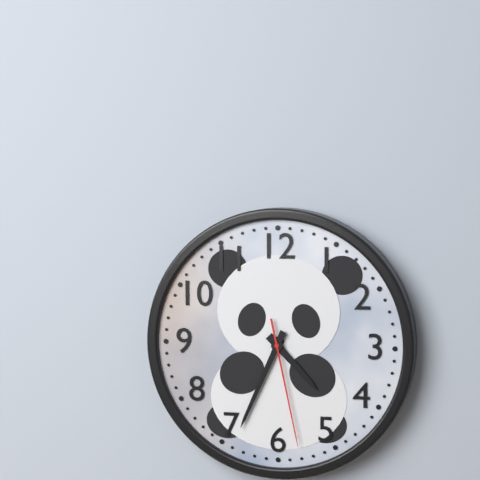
4:34:28
